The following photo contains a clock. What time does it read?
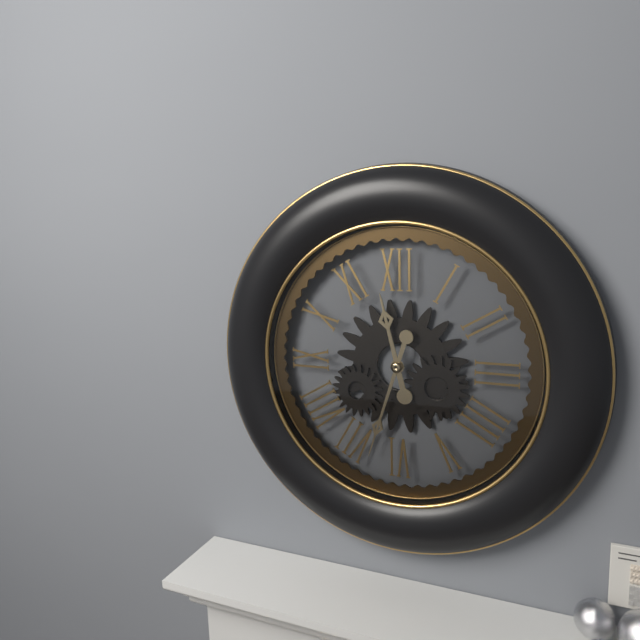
11:33
